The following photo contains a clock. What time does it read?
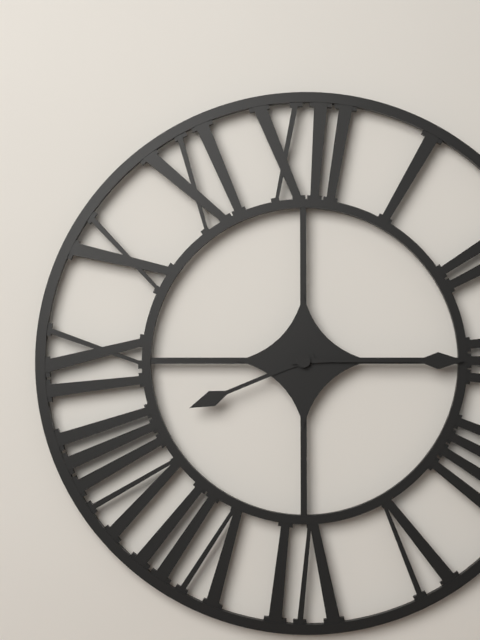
8:15
